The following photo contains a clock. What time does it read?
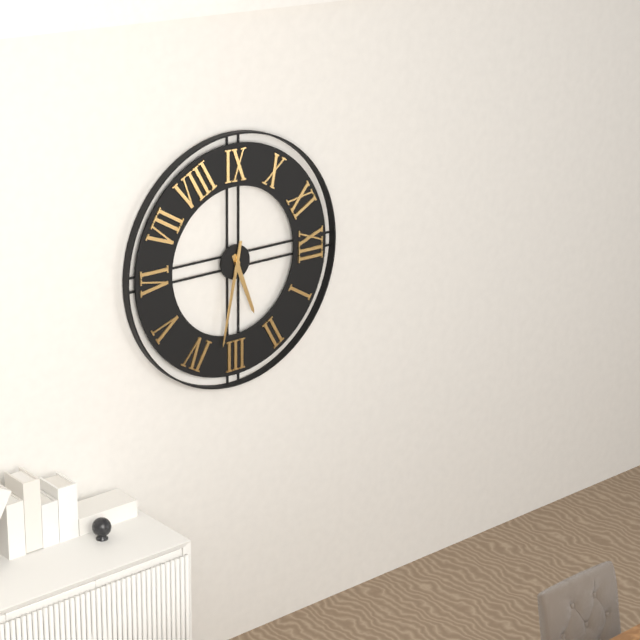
2:17
